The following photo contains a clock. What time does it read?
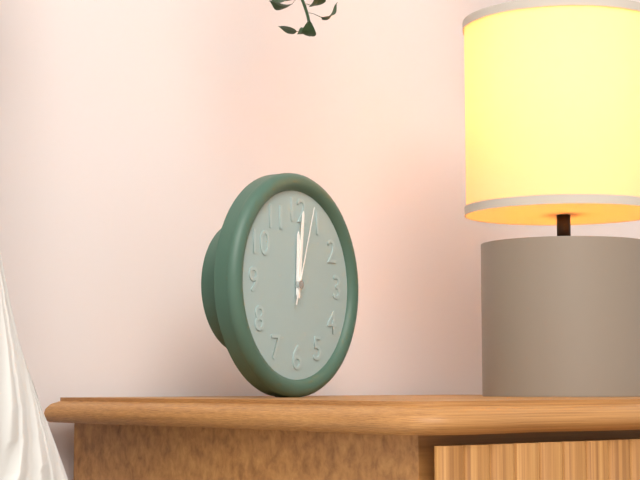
12:01:03
